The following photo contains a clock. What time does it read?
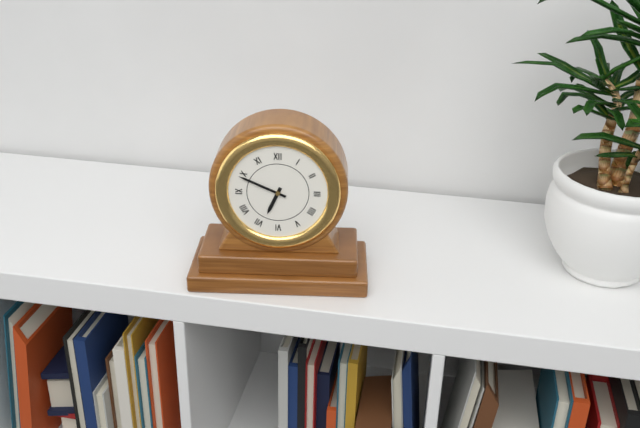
6:49
